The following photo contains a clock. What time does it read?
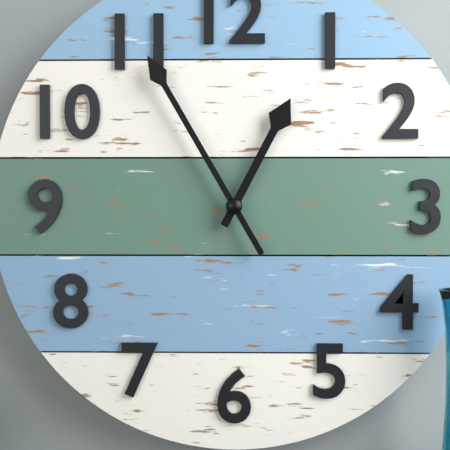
12:55
